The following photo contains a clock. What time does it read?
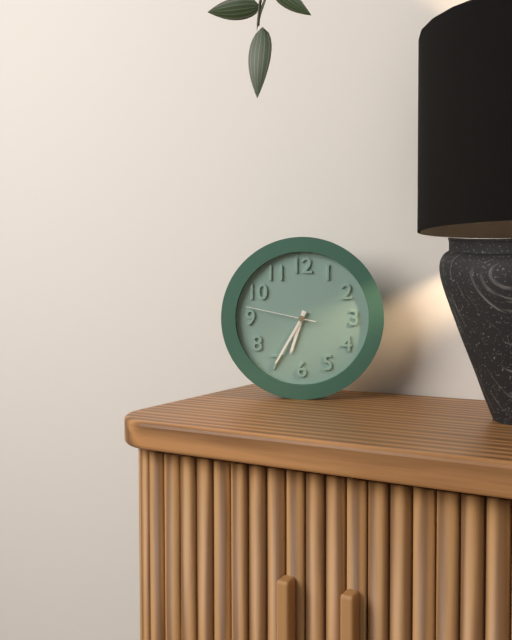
6:35:47
